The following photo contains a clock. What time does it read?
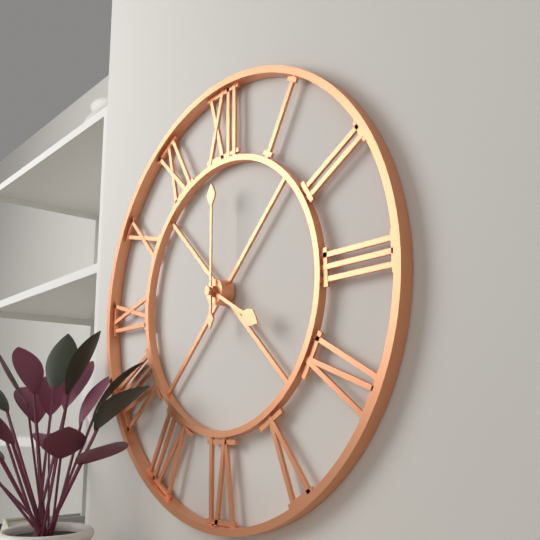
4:00
